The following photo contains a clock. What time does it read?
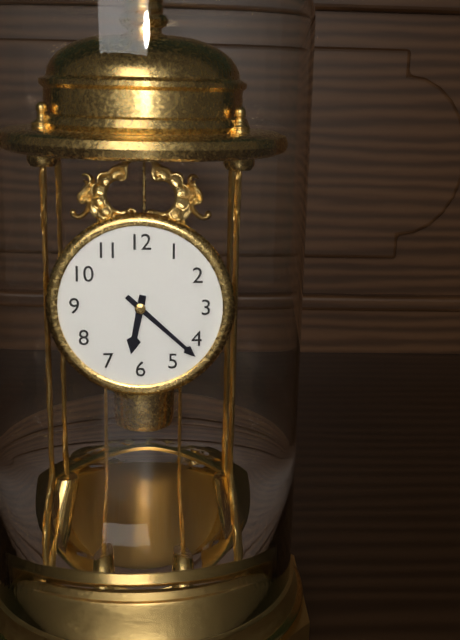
6:22
